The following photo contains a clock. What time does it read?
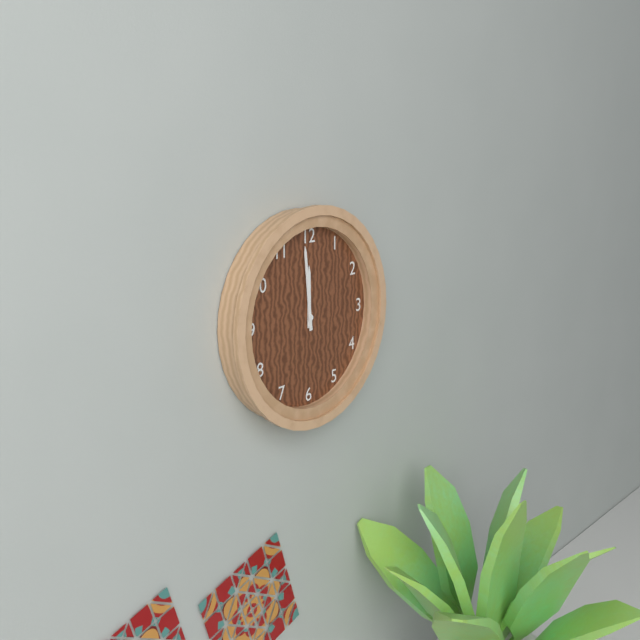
11:59
